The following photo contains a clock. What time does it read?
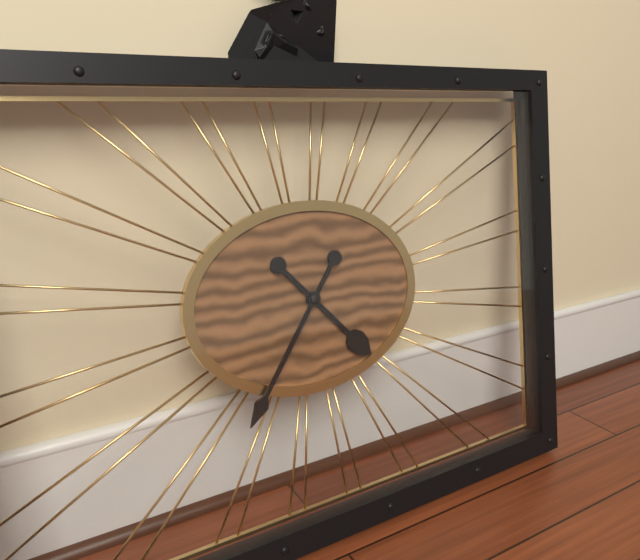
4:36
